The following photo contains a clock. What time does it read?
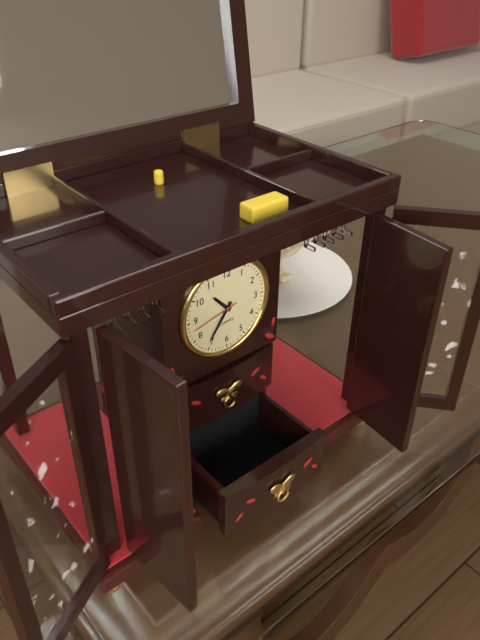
10:36:43
